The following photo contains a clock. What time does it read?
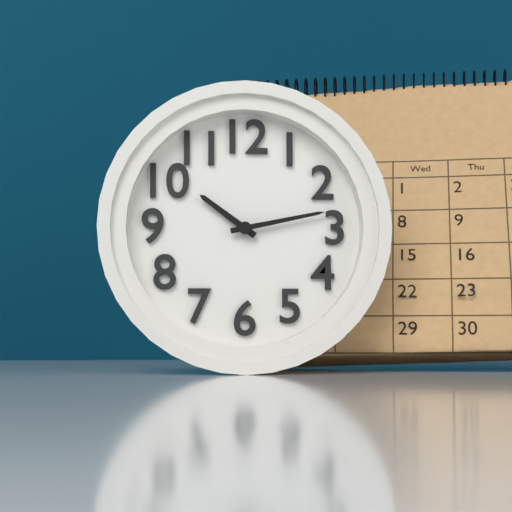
10:13
